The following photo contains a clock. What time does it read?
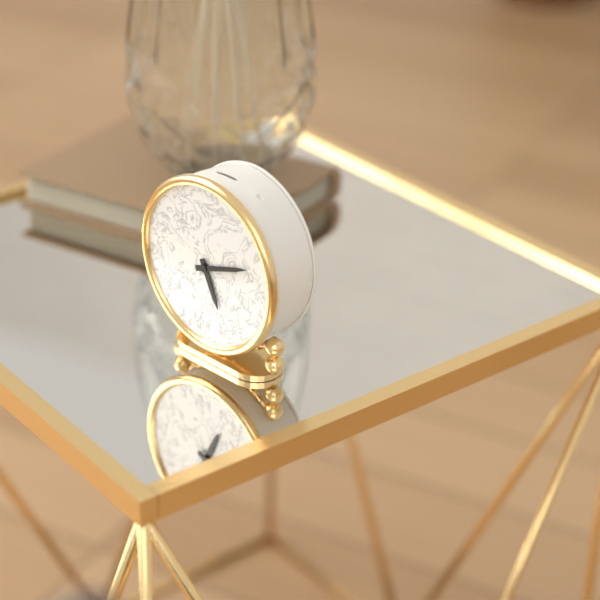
5:12
